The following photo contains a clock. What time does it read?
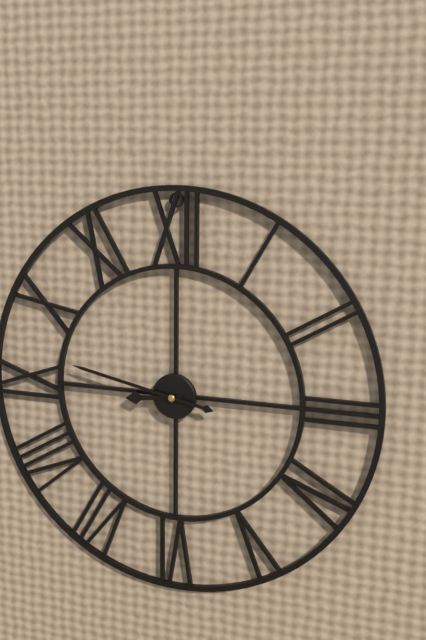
8:47
